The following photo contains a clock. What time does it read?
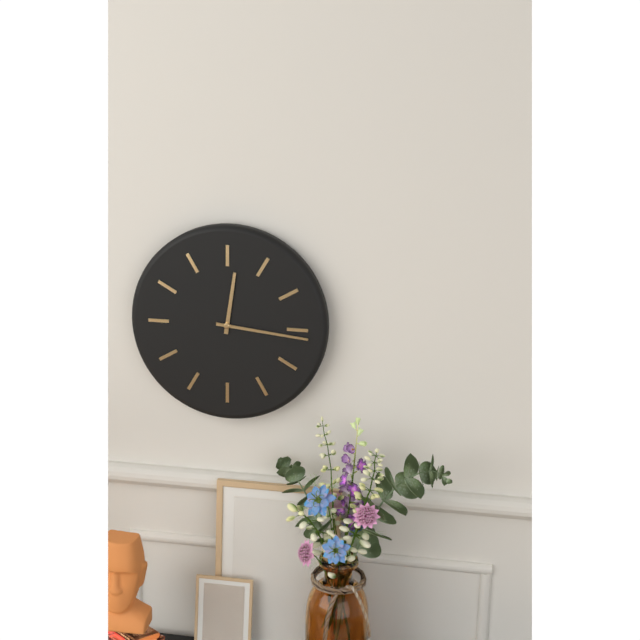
12:16
